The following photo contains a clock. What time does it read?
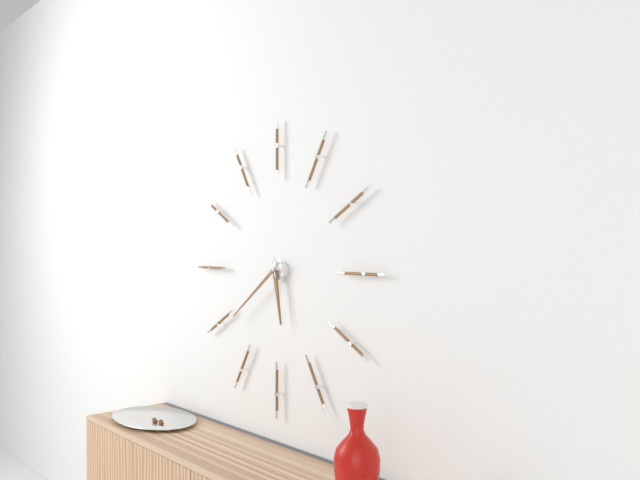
5:39
